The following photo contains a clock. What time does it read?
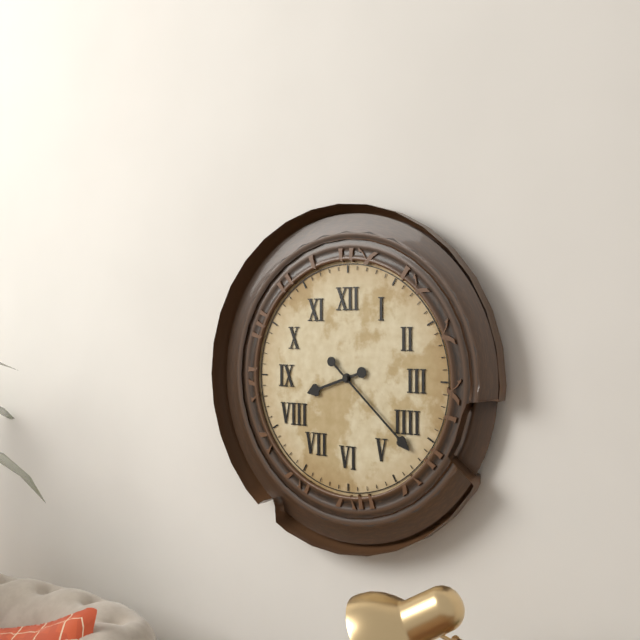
8:22
